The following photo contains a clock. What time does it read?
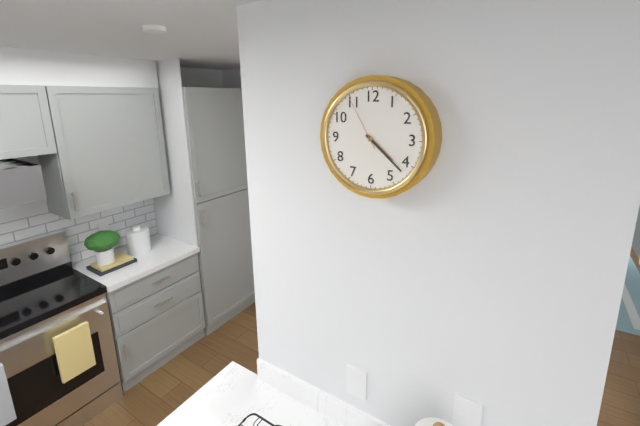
4:22:55
